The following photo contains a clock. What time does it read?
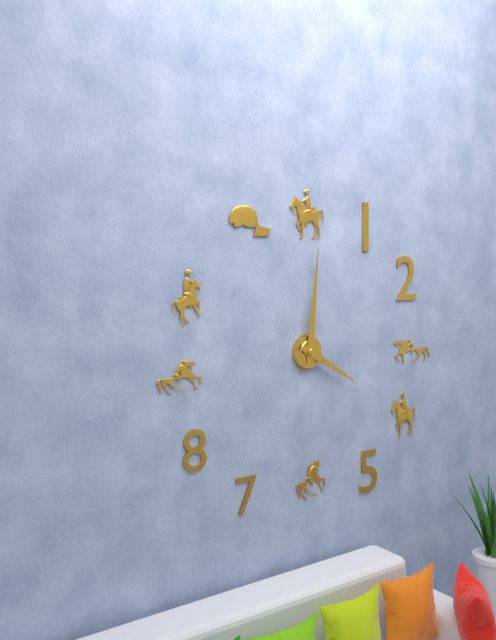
4:01
